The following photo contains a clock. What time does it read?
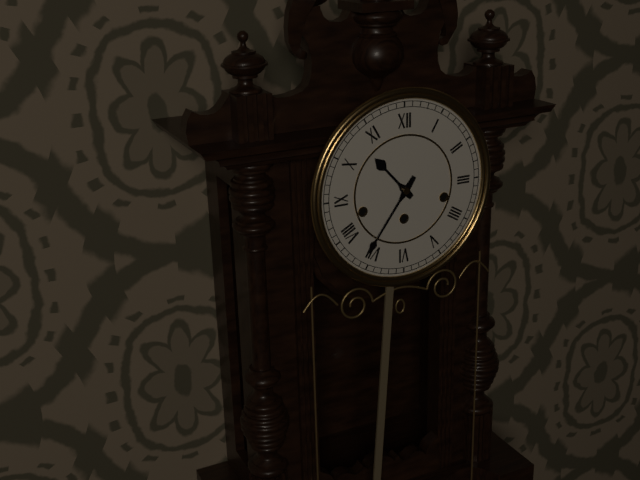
10:36
